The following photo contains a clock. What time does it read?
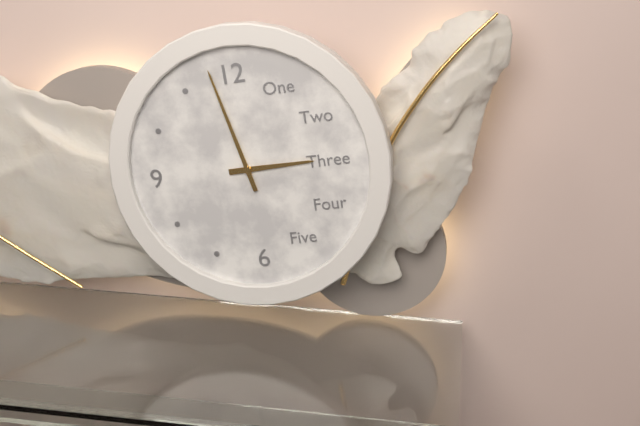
2:58
